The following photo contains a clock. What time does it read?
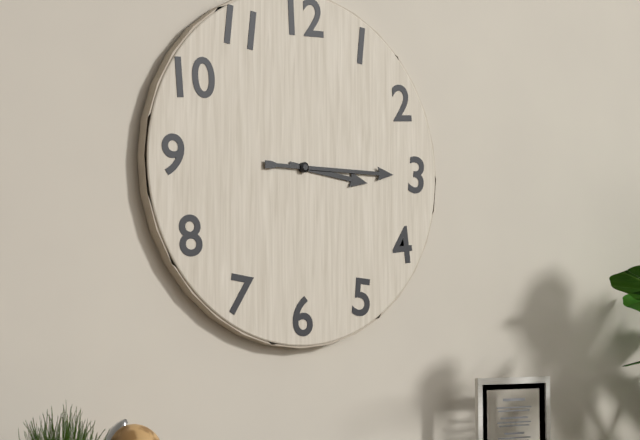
3:15
